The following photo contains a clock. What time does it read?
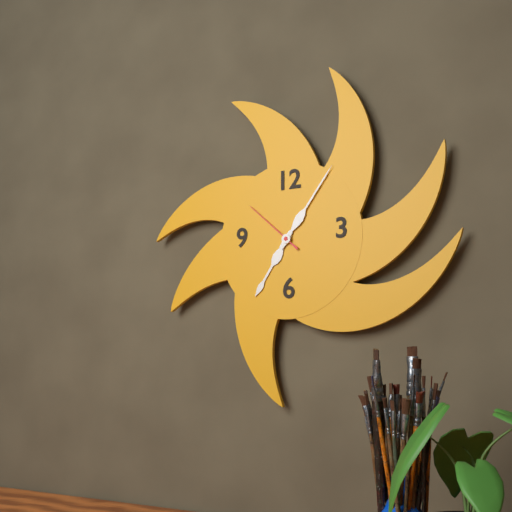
7:06:52
